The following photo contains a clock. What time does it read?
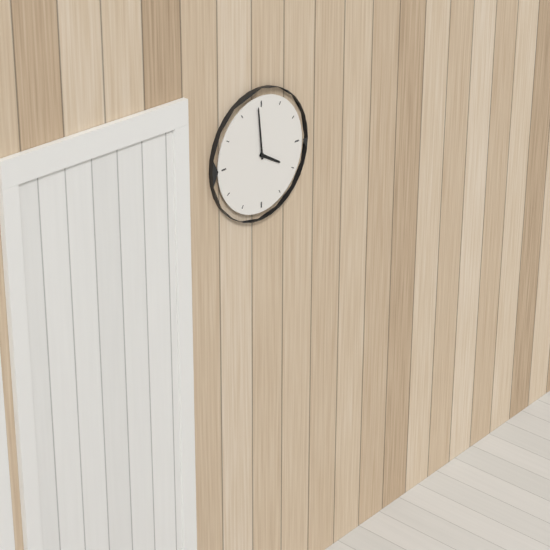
3:59
